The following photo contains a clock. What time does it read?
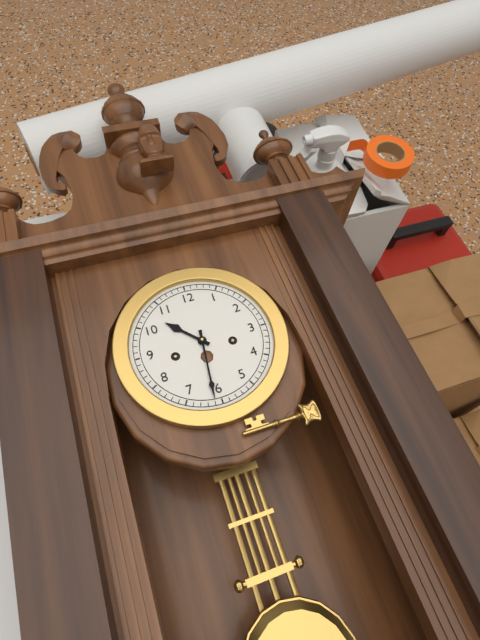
10:31
